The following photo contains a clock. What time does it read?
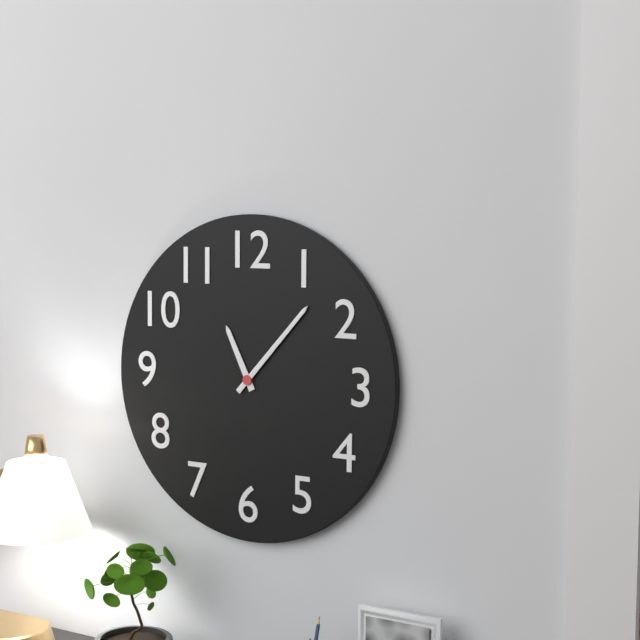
11:07
